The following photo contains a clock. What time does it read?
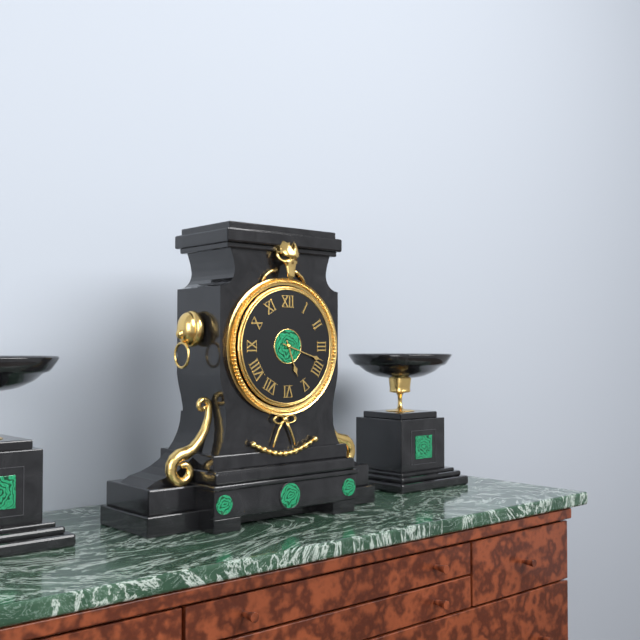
5:18
